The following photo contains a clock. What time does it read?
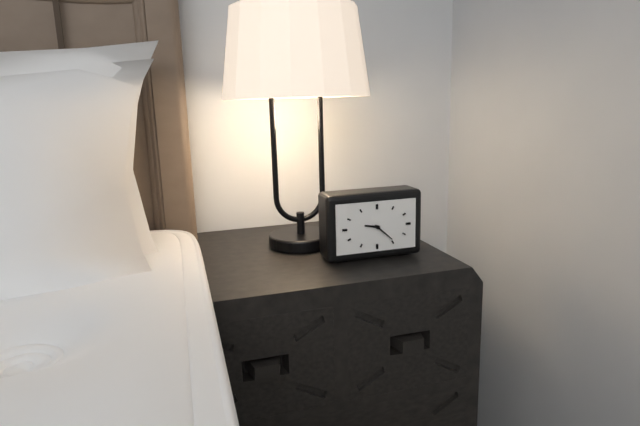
9:22
